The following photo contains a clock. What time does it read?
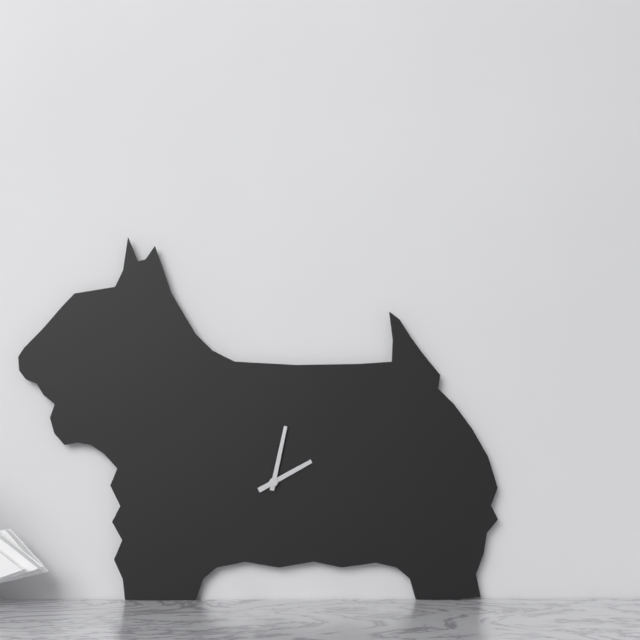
2:02
